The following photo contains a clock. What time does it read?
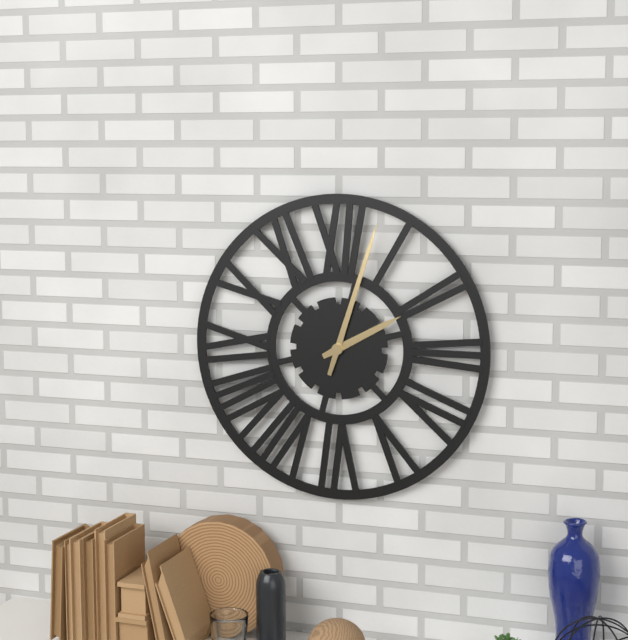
2:03
